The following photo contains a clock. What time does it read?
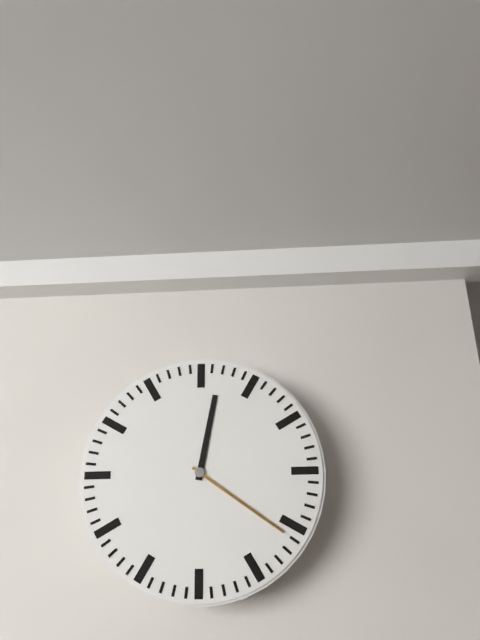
12:21
